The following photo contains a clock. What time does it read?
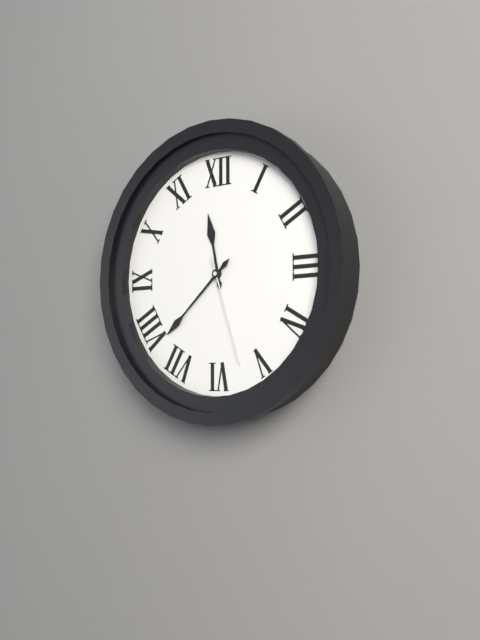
11:38:27
